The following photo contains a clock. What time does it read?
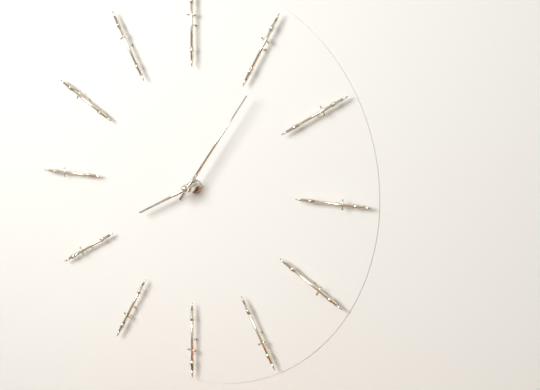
8:06
